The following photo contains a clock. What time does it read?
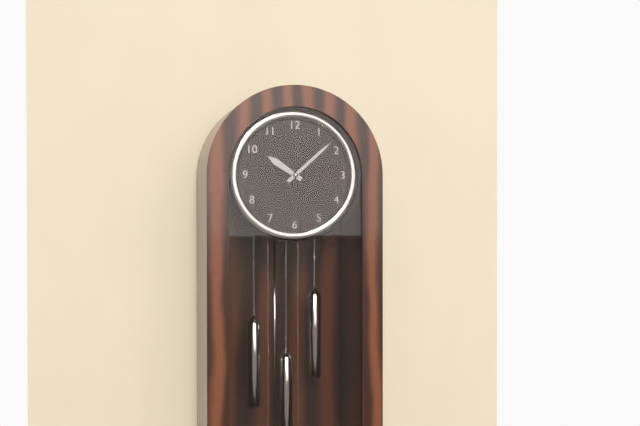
10:08
